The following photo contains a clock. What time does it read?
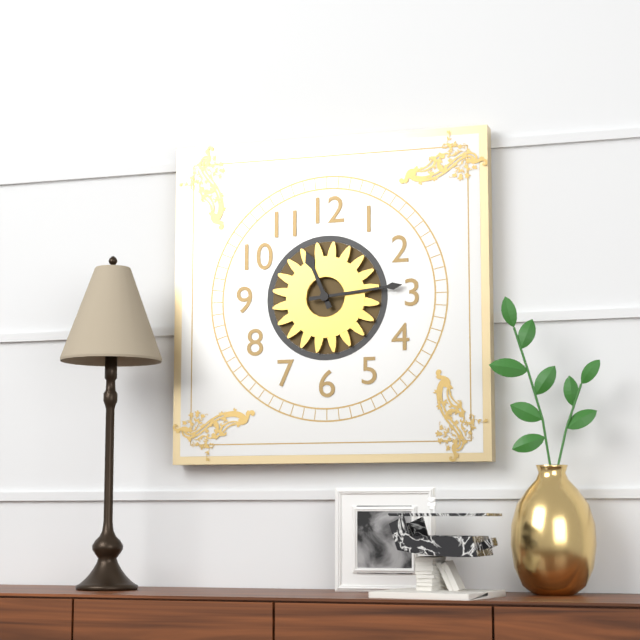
11:14
